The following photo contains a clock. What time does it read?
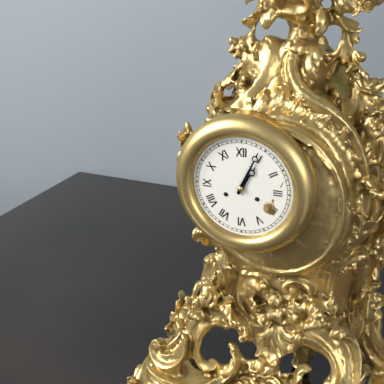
1:04
